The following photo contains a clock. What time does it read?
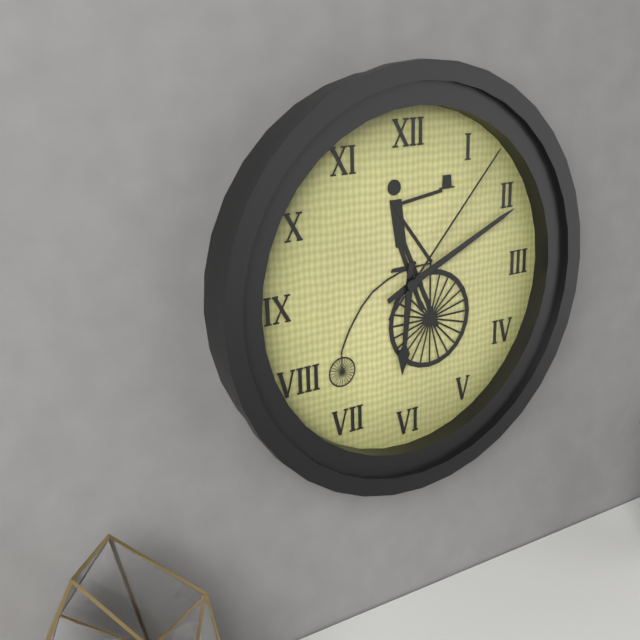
6:11:07
